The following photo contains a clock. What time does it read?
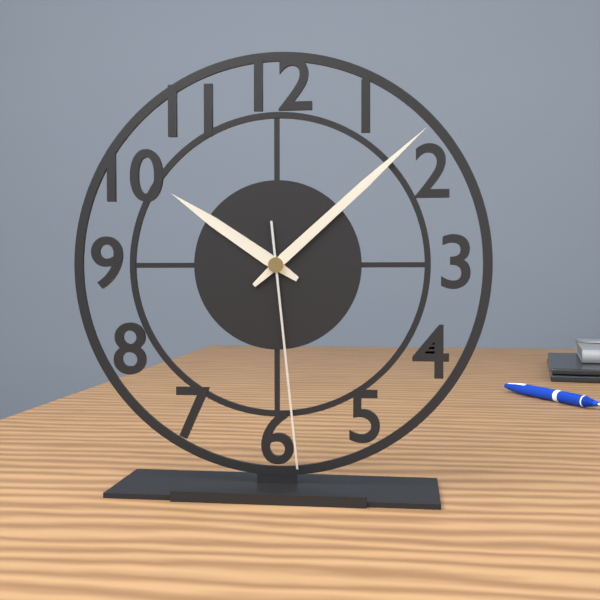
10:08:29
